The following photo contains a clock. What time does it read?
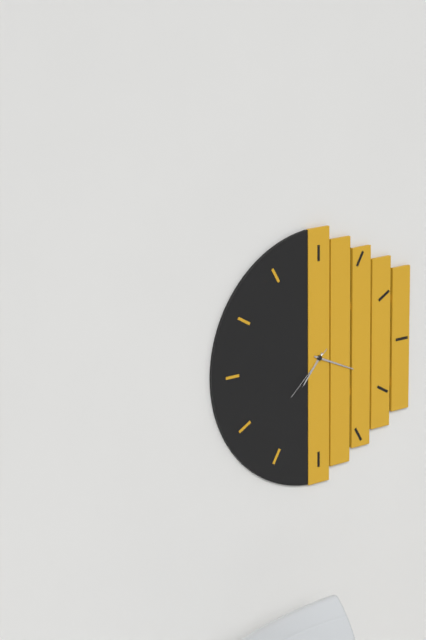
7:19:38
